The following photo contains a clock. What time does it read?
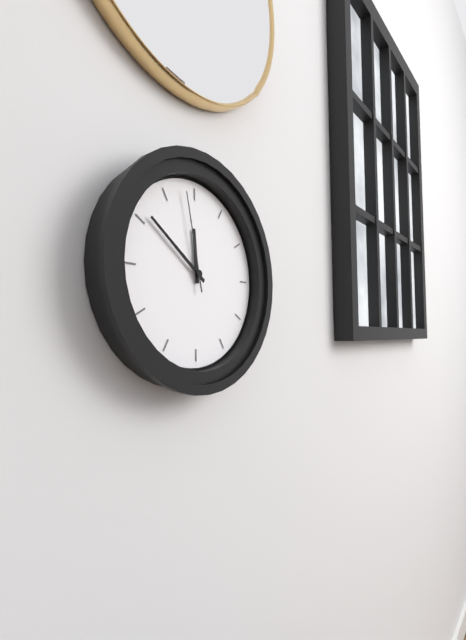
11:51:58
